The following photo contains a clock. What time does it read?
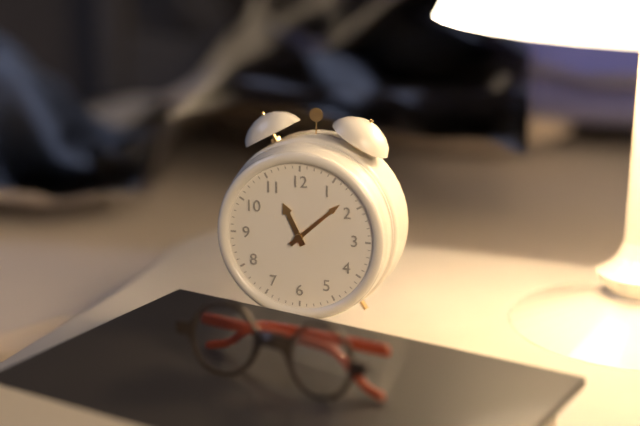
11:08
